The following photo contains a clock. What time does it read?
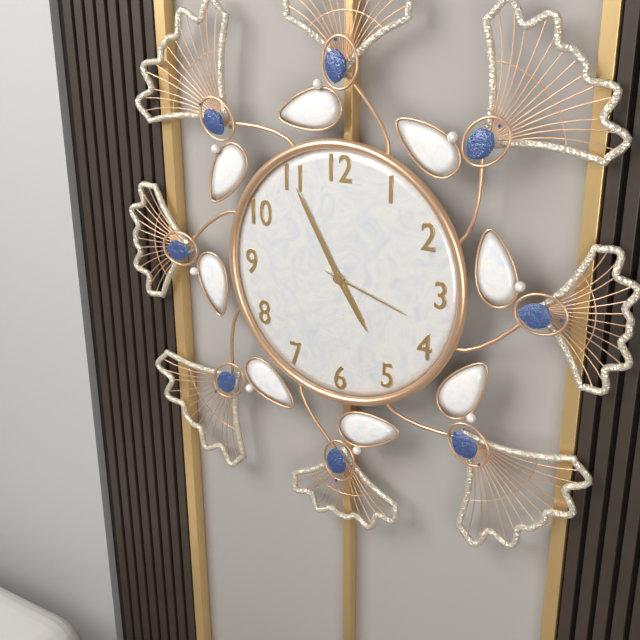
4:55:18
